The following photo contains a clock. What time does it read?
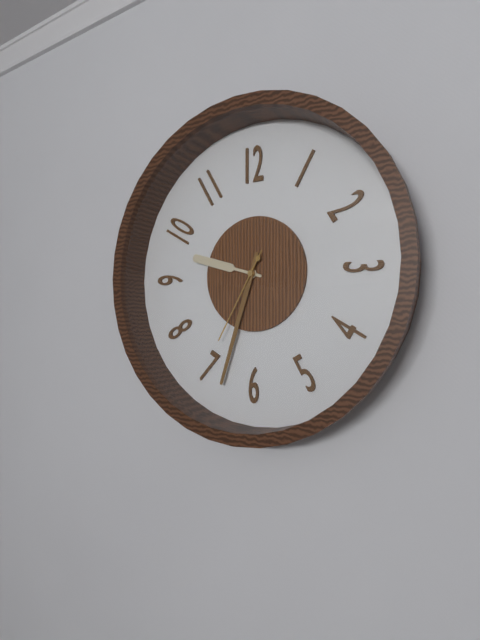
9:33:35
